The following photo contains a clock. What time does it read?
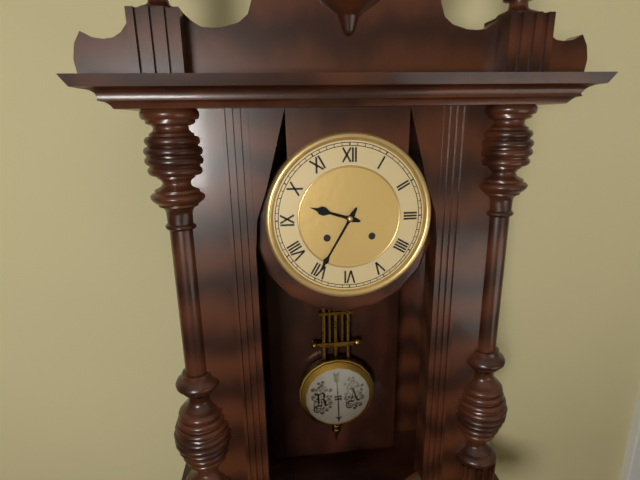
9:35
